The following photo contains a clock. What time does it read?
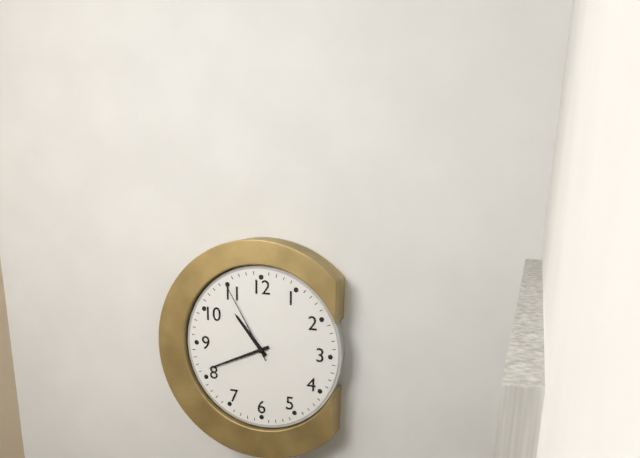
10:41:55
